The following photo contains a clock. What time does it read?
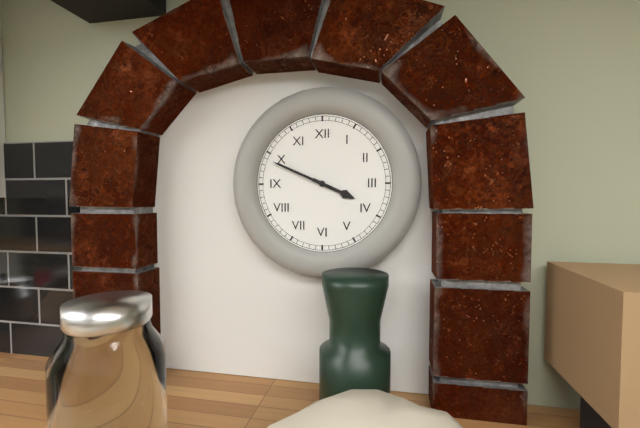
3:49
